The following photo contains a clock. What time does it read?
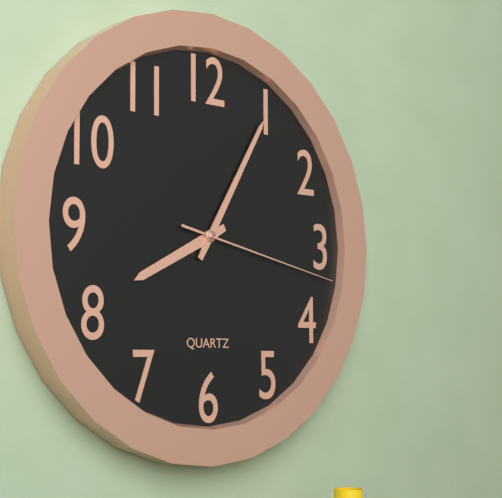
8:05:17
